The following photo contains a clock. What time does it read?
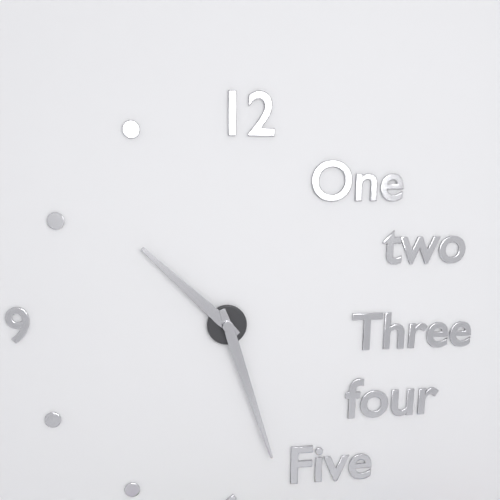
10:27
